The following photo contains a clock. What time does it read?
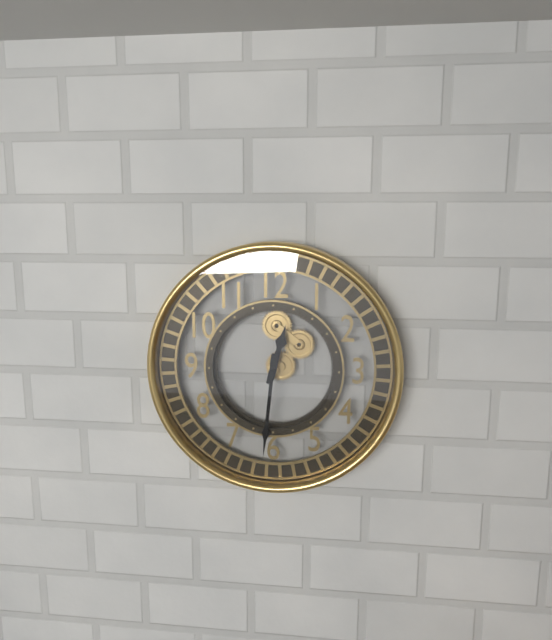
12:31
